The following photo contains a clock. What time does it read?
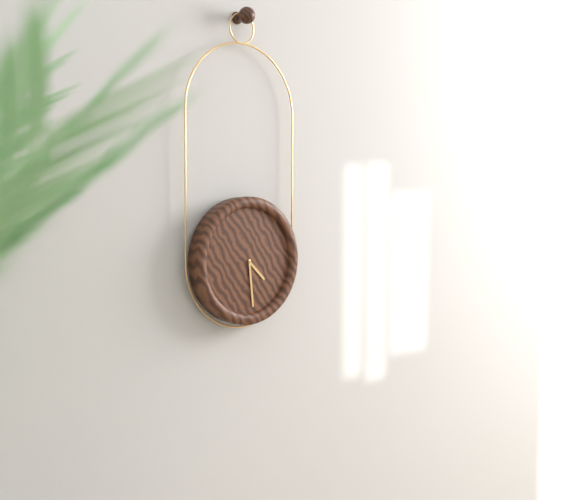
4:29
